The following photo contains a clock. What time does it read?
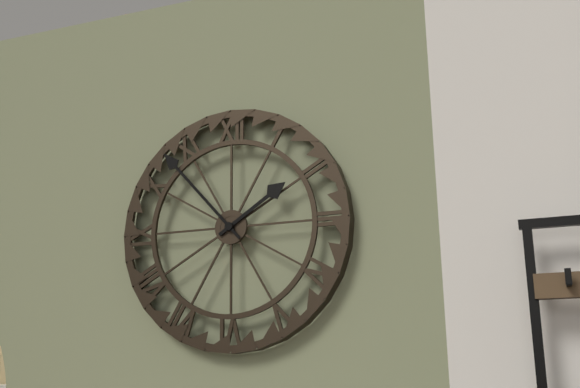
1:53
